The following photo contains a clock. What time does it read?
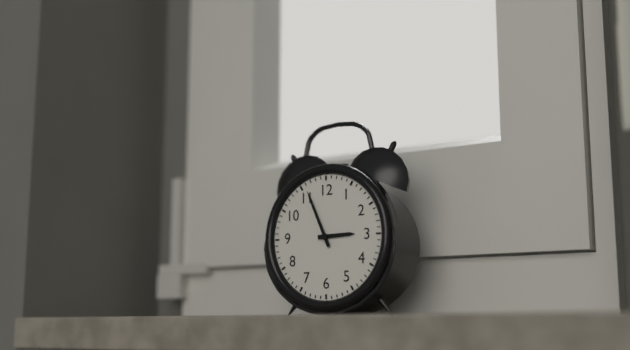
2:56
